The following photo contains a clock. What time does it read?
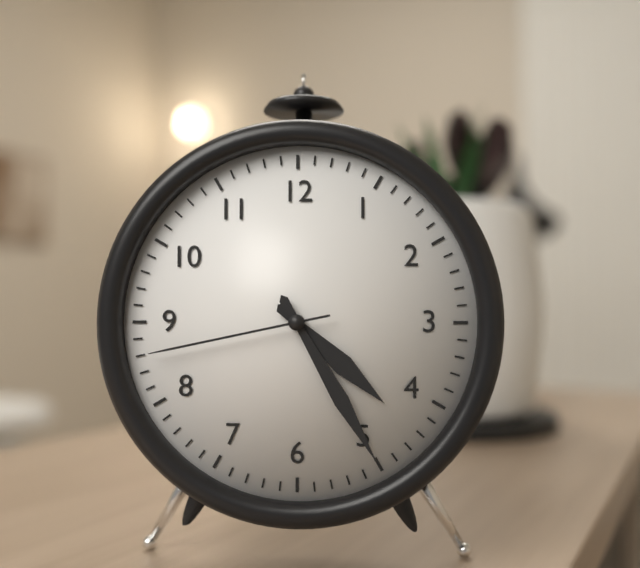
4:25:43
